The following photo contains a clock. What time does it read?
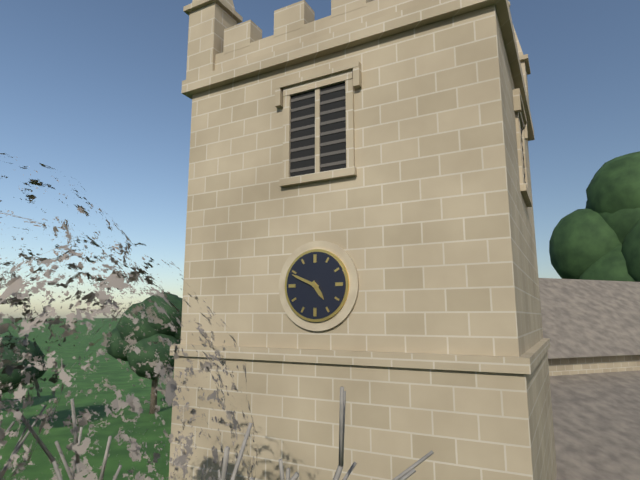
4:49
